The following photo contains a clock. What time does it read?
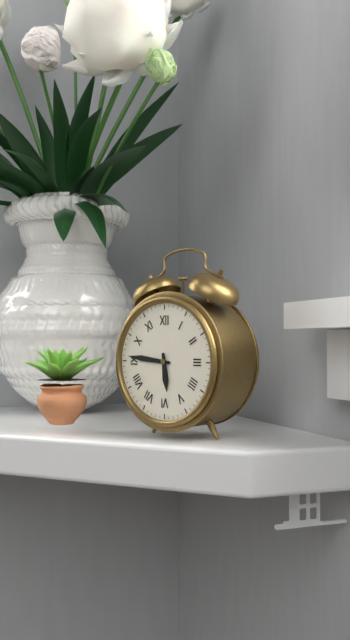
5:46
